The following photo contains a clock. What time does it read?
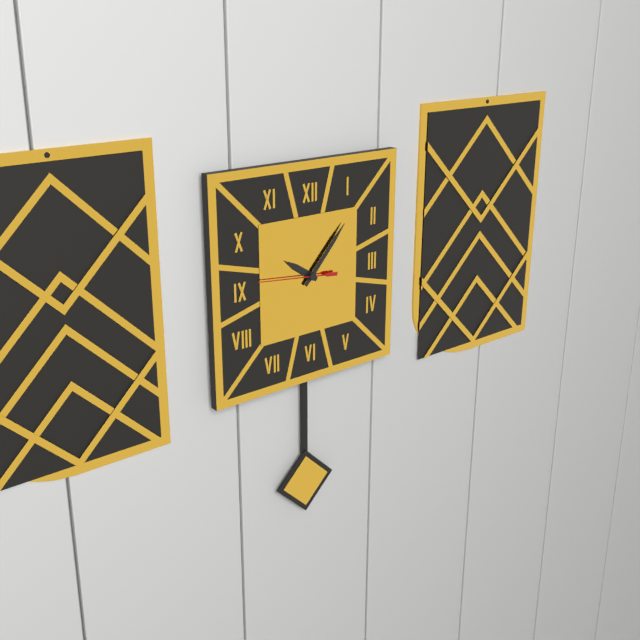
10:07:46
